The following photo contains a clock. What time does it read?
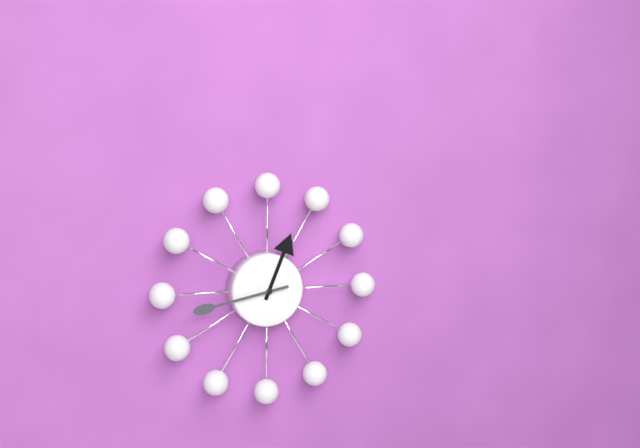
12:43
